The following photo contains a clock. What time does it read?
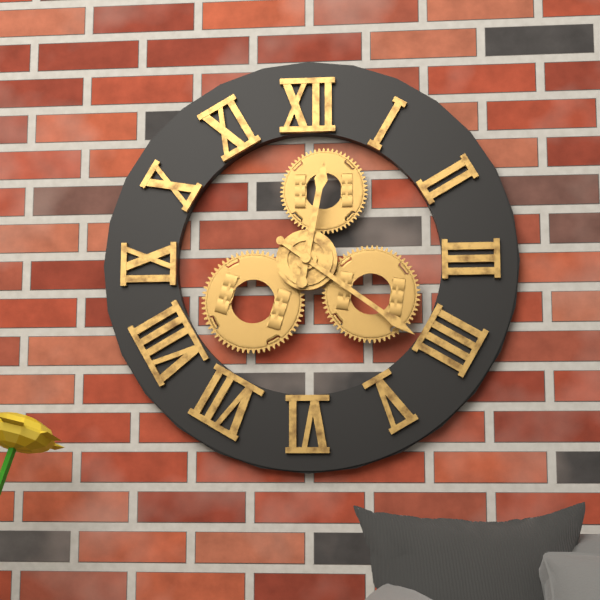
12:21
